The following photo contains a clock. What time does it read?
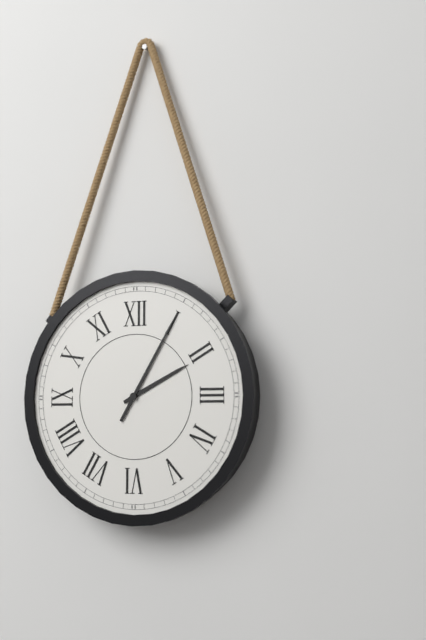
2:05
